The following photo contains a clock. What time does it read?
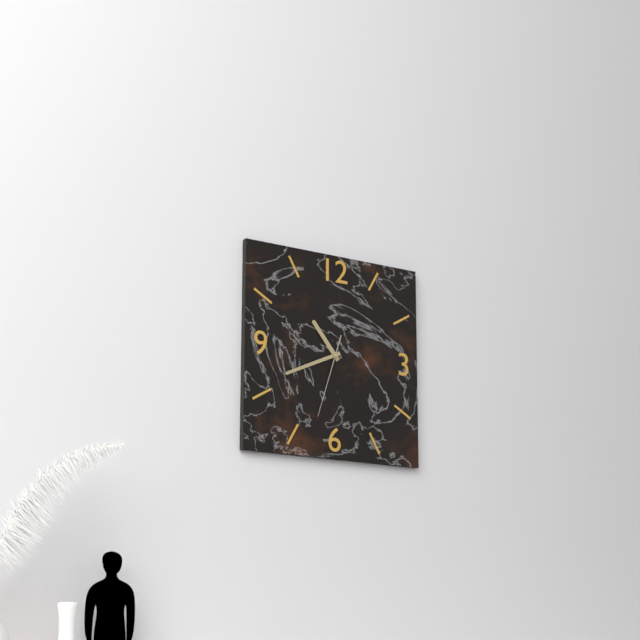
10:41:33
